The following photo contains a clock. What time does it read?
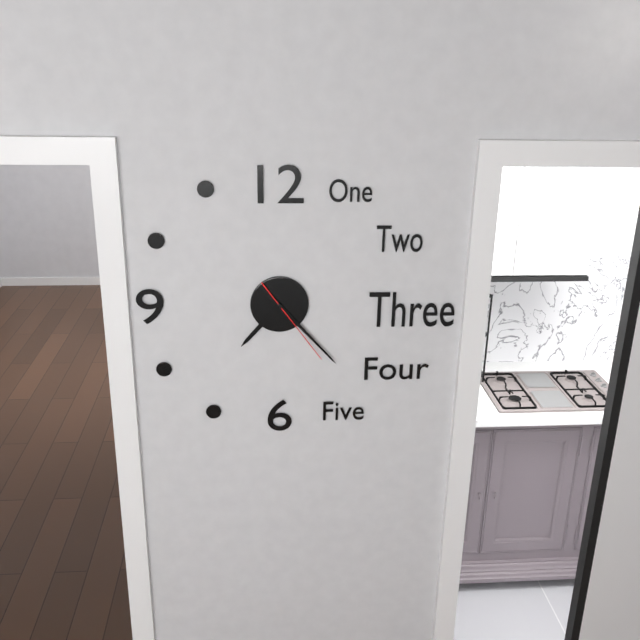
7:23:24
